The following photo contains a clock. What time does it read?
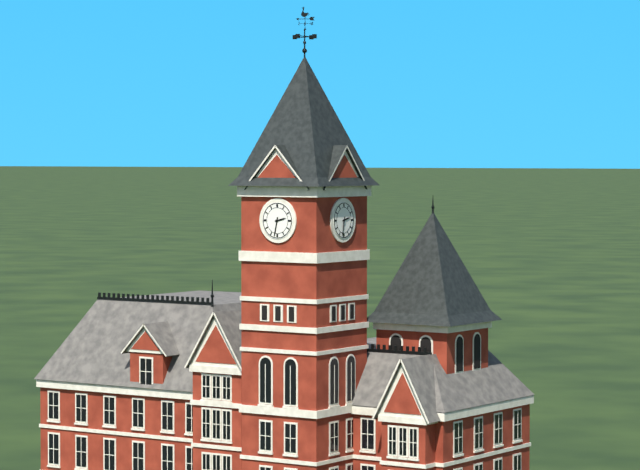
2:32
